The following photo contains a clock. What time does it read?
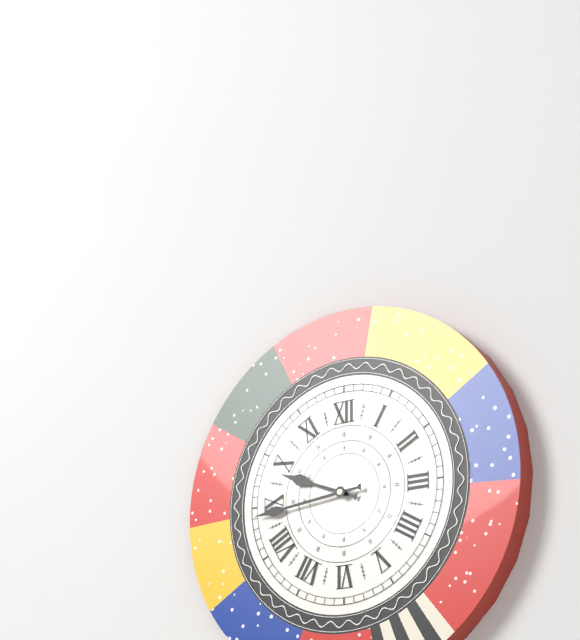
9:44
